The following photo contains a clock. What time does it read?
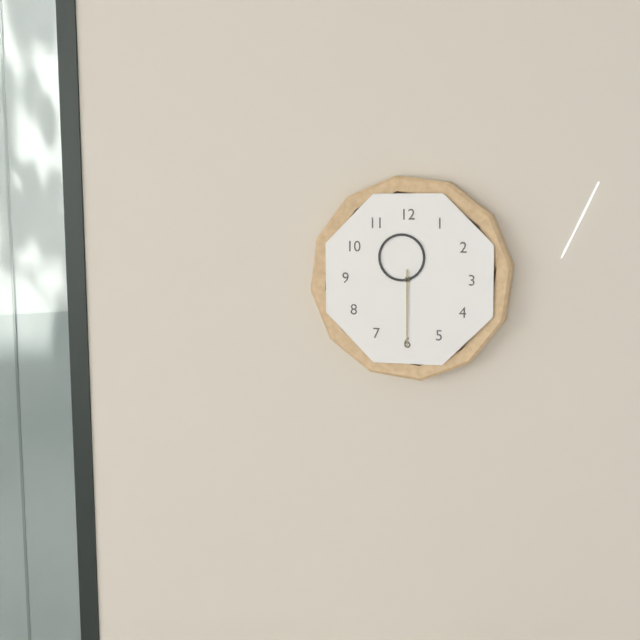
11:30
